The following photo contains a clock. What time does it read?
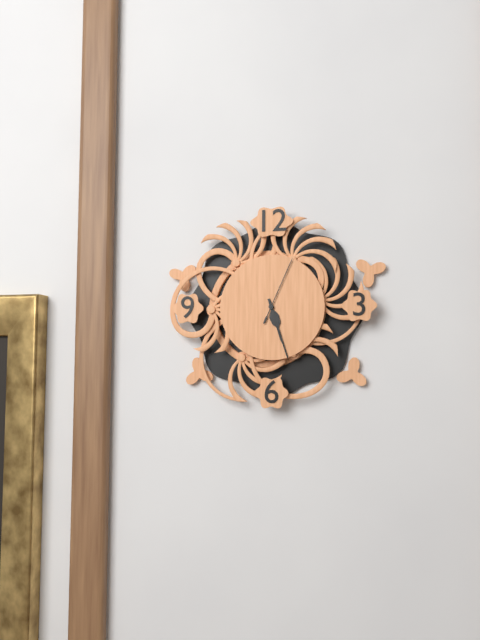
5:27:04
